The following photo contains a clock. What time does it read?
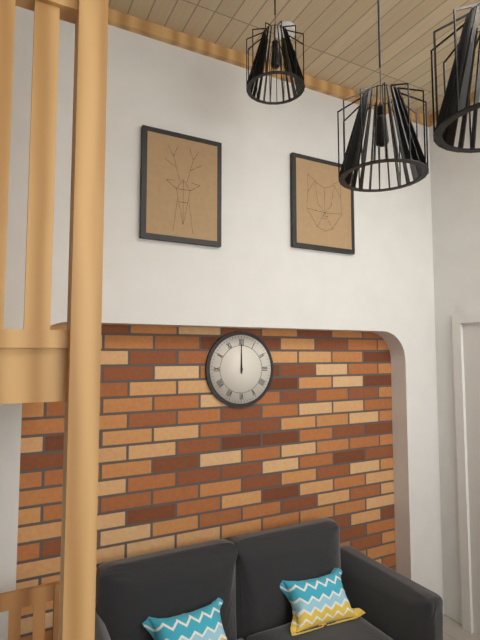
12:00
